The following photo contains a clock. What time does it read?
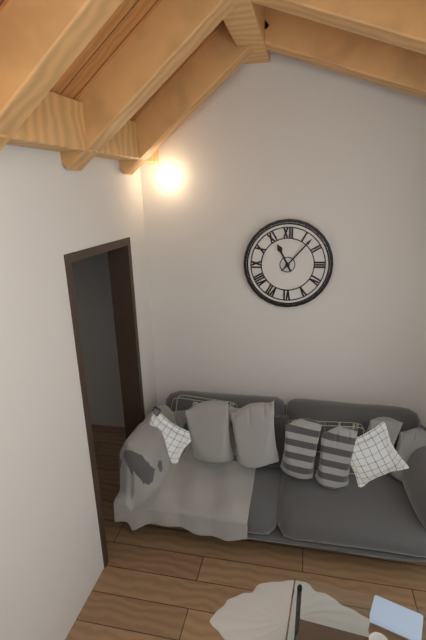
11:07
